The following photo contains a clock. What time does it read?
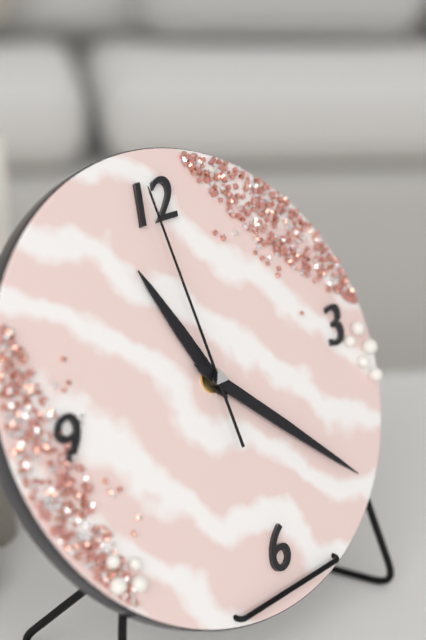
11:23:00
